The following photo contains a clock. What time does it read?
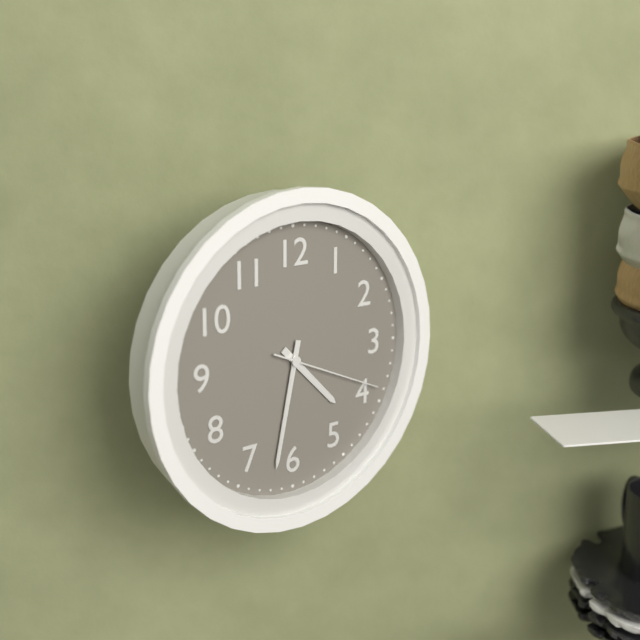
4:32:19
